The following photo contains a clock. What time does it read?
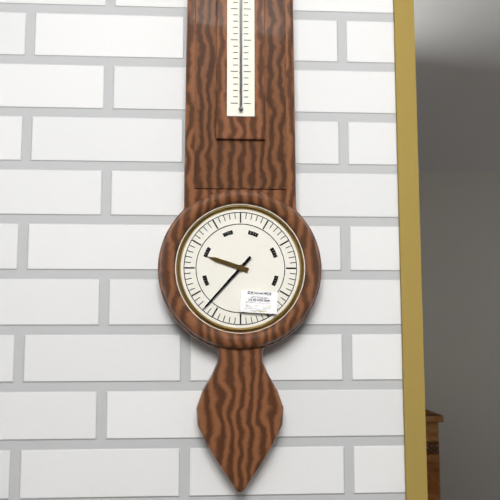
9:37
